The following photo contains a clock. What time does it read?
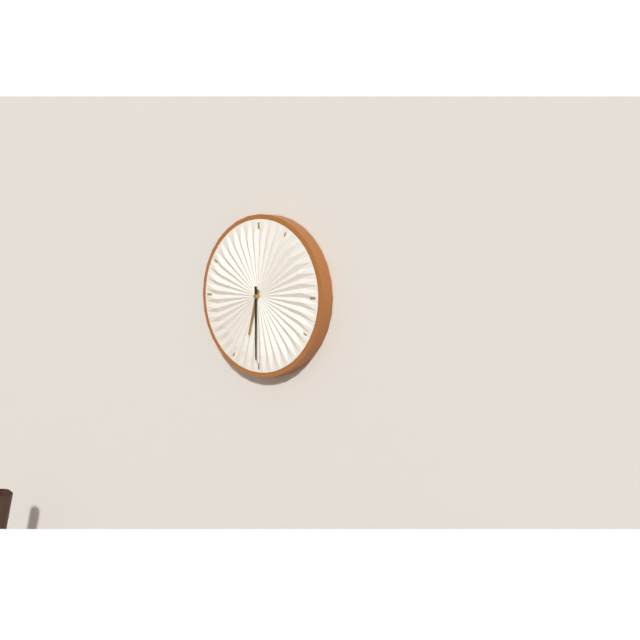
6:30
